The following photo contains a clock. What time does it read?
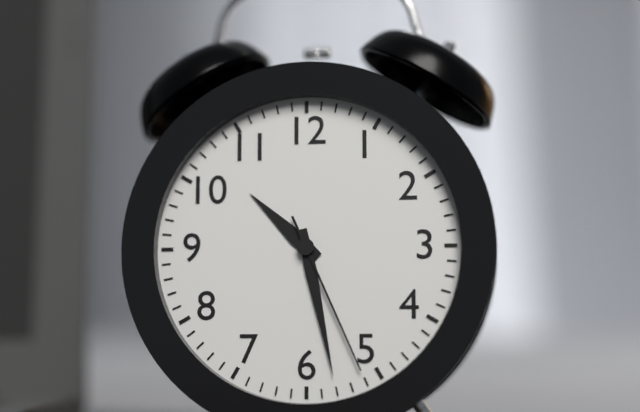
10:28:26
